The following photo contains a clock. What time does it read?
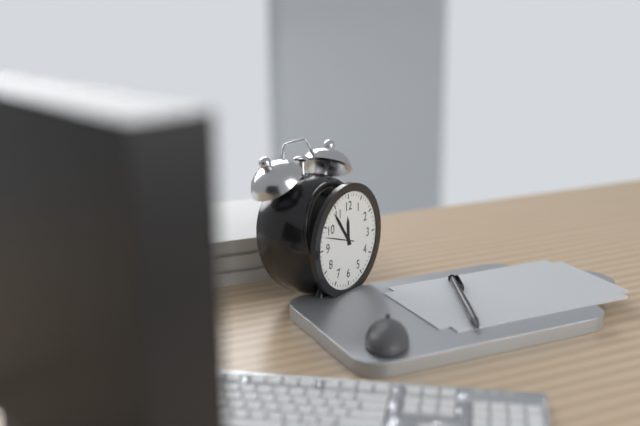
11:54
